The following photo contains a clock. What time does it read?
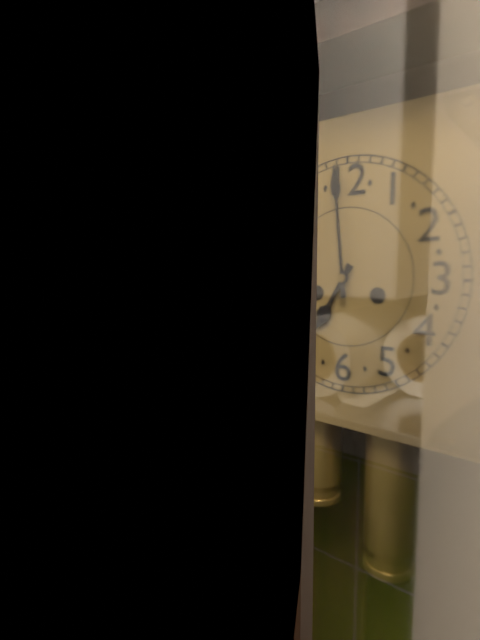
6:59
